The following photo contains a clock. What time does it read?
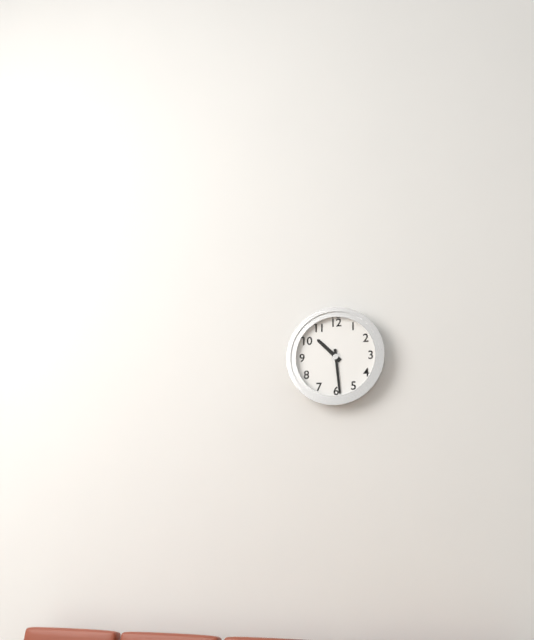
10:29
